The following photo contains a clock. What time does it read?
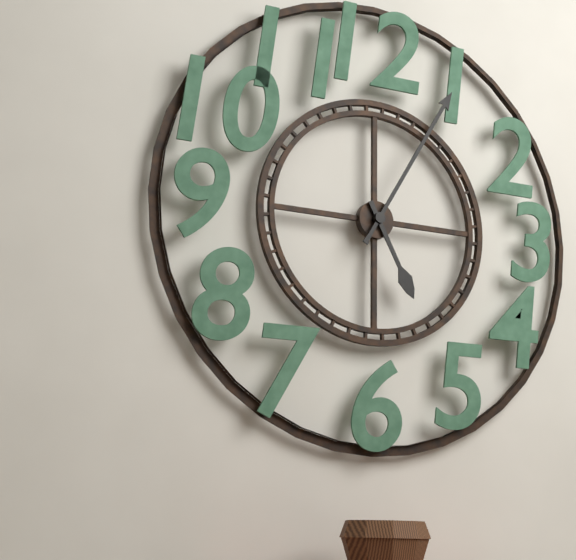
5:05
